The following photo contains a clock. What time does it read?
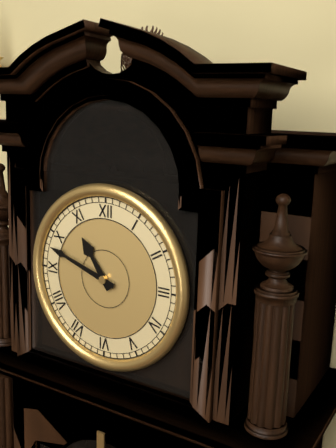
10:48
